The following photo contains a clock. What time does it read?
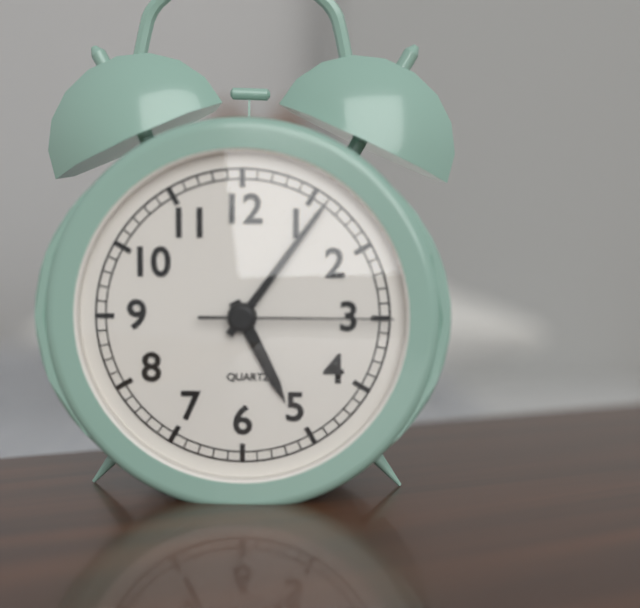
5:06:15
